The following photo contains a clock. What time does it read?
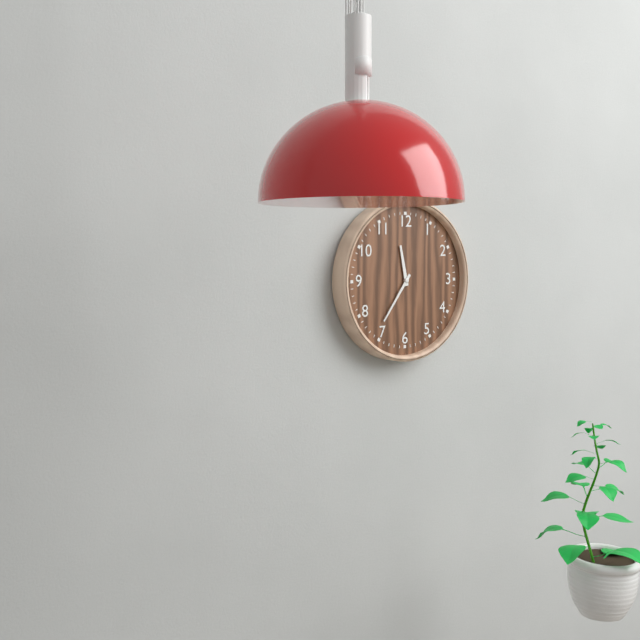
11:36
